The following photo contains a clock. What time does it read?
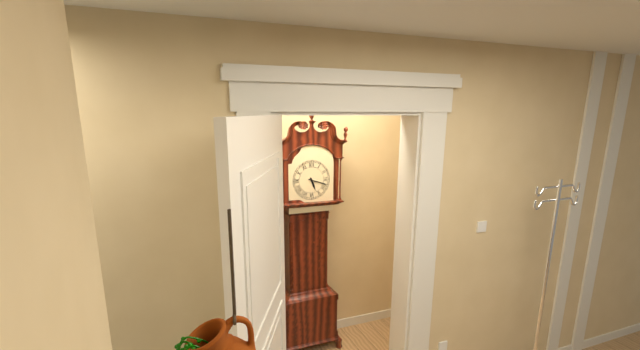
5:18
